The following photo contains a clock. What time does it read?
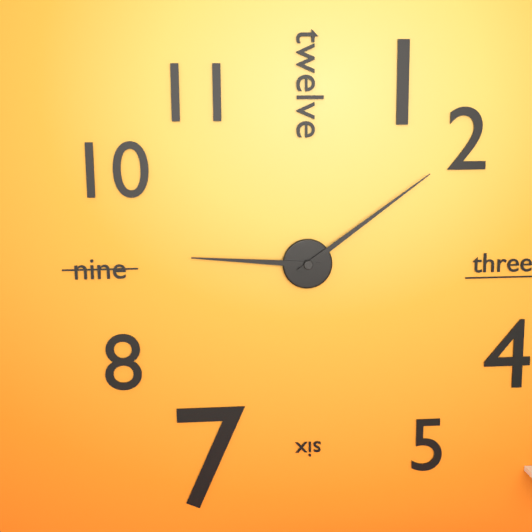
9:09
